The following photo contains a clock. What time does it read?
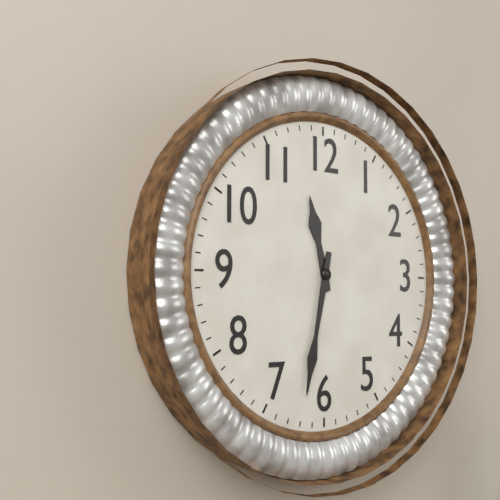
11:32
